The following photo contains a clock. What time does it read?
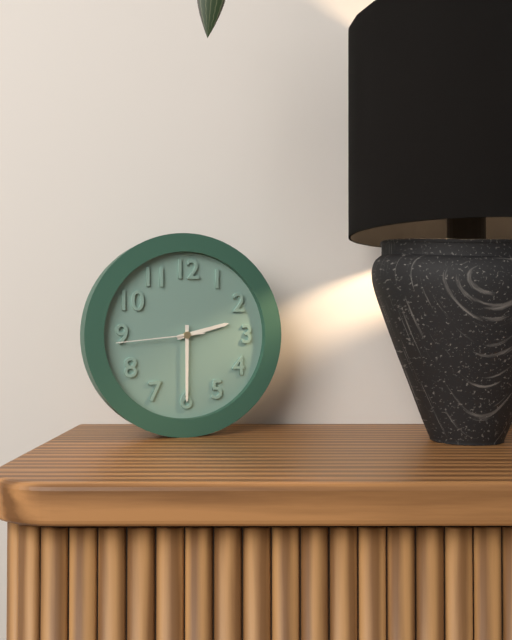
2:30:44
